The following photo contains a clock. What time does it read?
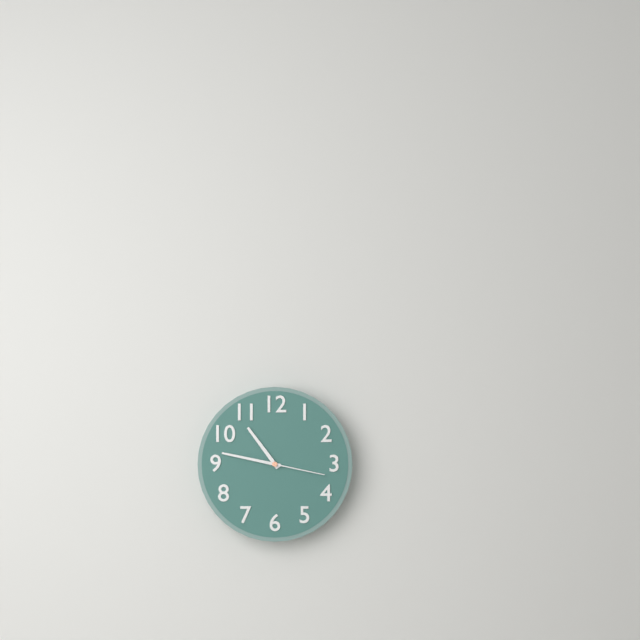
10:47:17
